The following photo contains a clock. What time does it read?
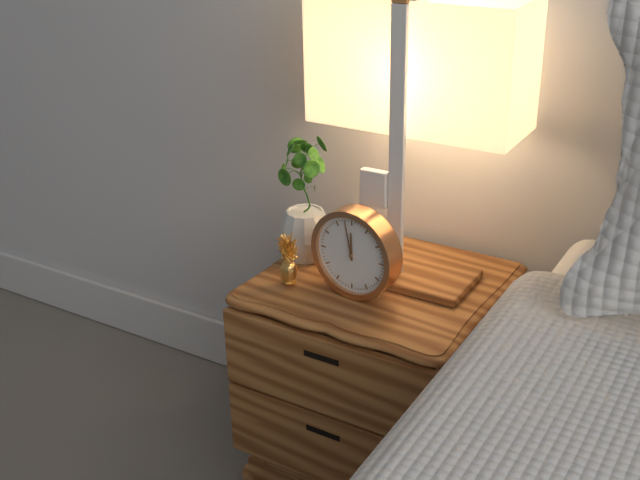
11:58
